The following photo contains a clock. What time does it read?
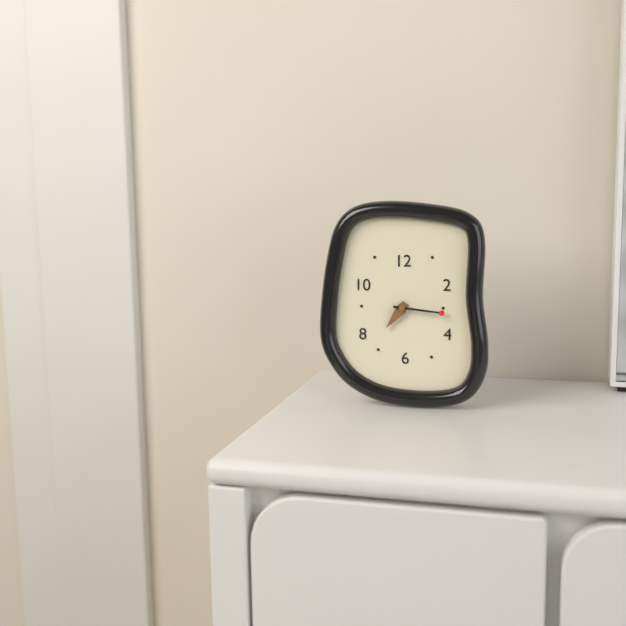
7:16
